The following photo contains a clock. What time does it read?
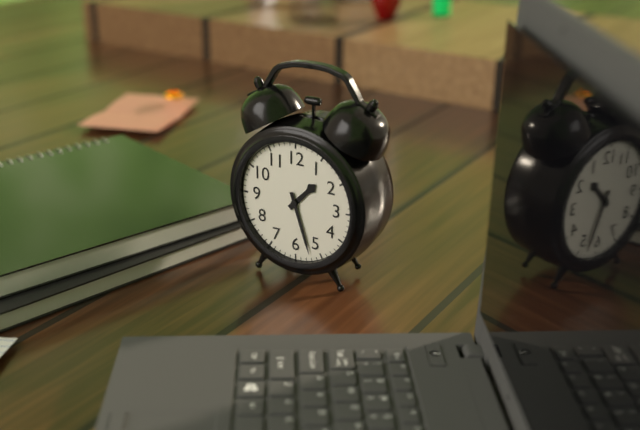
1:27
